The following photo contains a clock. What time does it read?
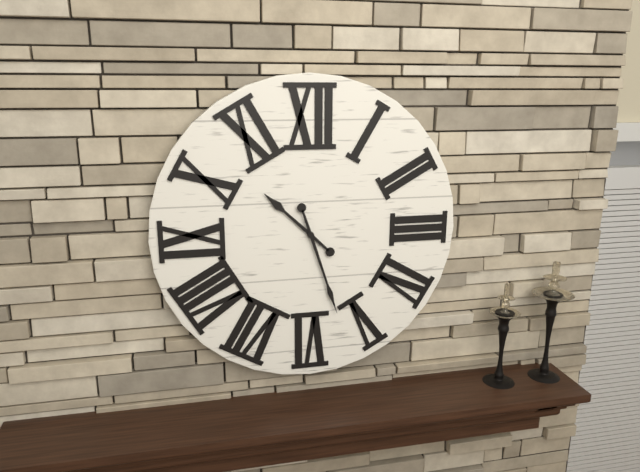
10:27
